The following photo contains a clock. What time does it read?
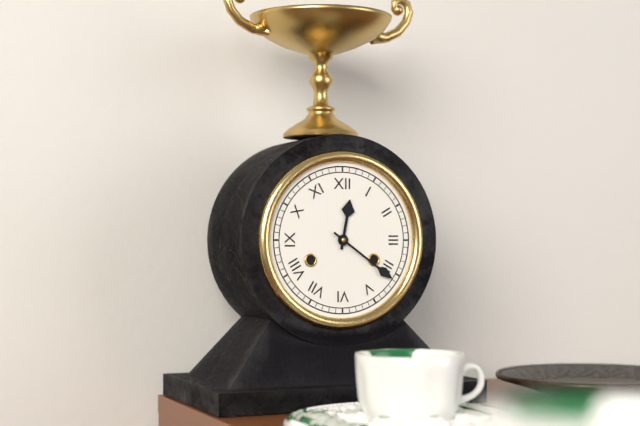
12:21
